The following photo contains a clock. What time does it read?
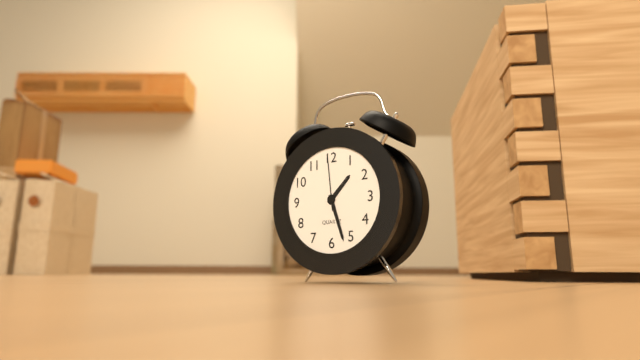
1:27:59
